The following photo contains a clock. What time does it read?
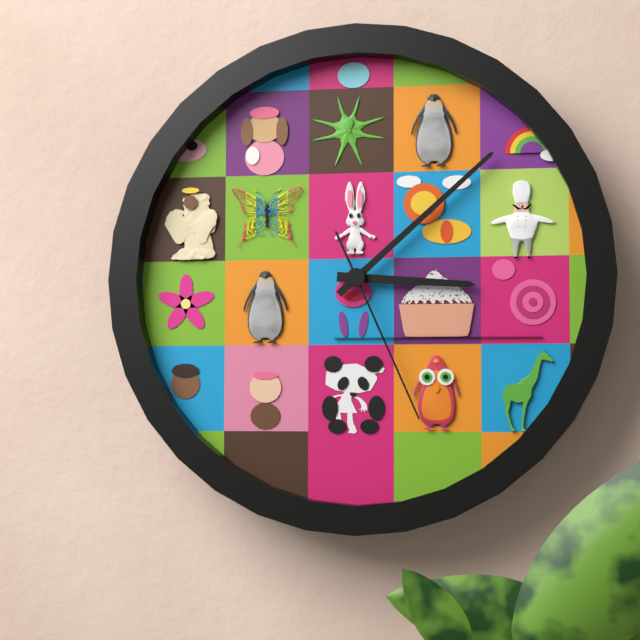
3:08:26
